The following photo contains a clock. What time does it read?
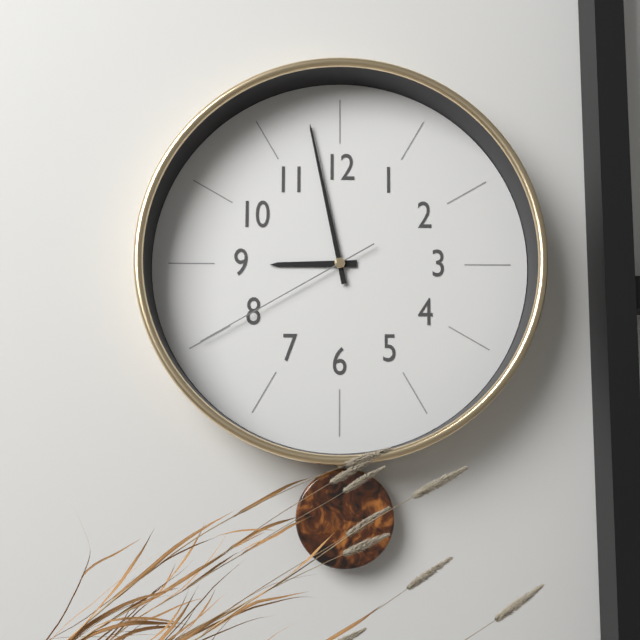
8:58:40
